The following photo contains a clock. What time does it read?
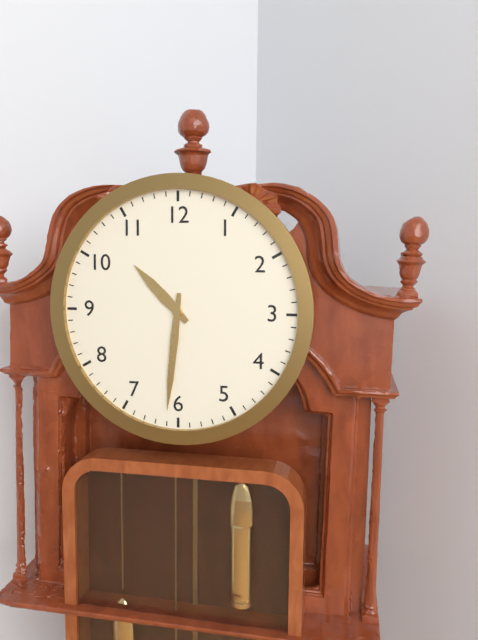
10:31
